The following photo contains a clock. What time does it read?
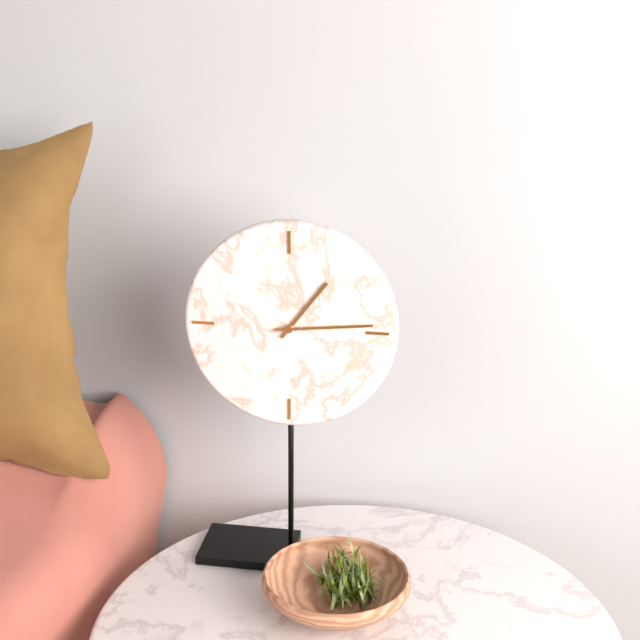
1:14
